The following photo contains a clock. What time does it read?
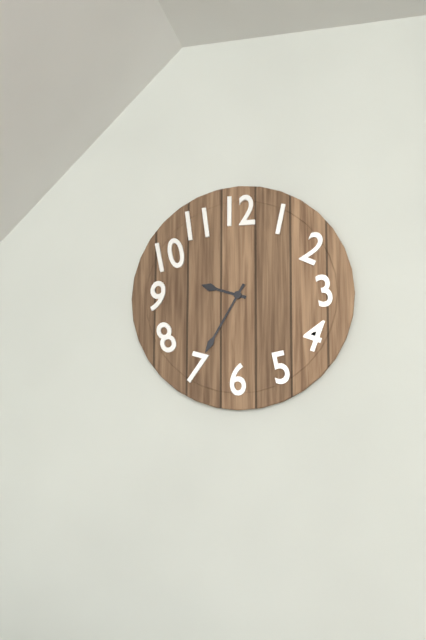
9:35
